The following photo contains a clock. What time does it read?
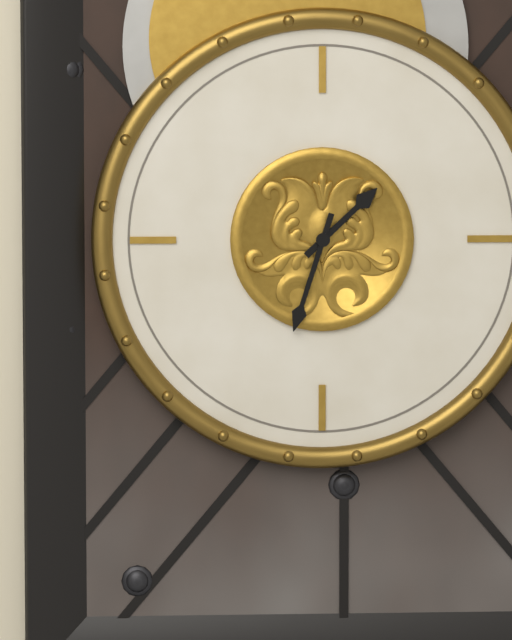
1:33
